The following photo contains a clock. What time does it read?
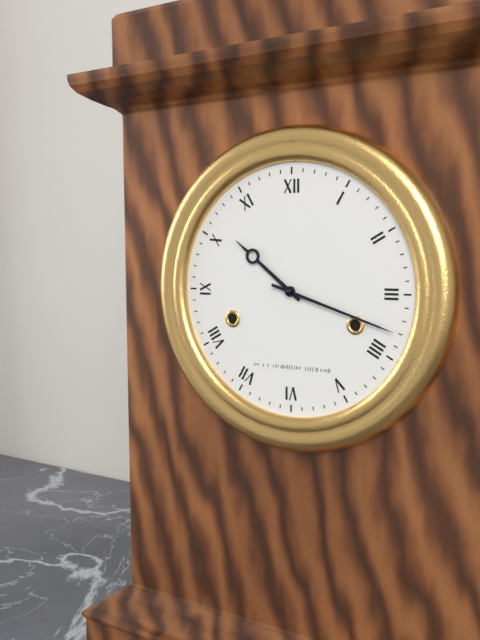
10:18
